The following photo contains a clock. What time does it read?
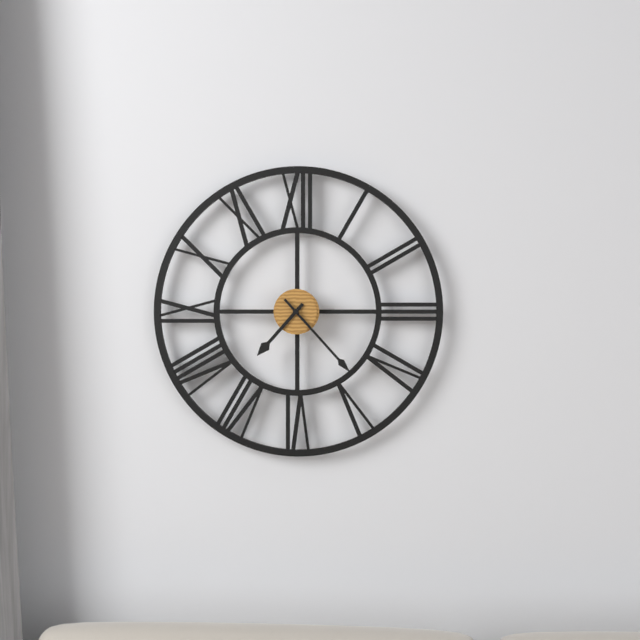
7:23
